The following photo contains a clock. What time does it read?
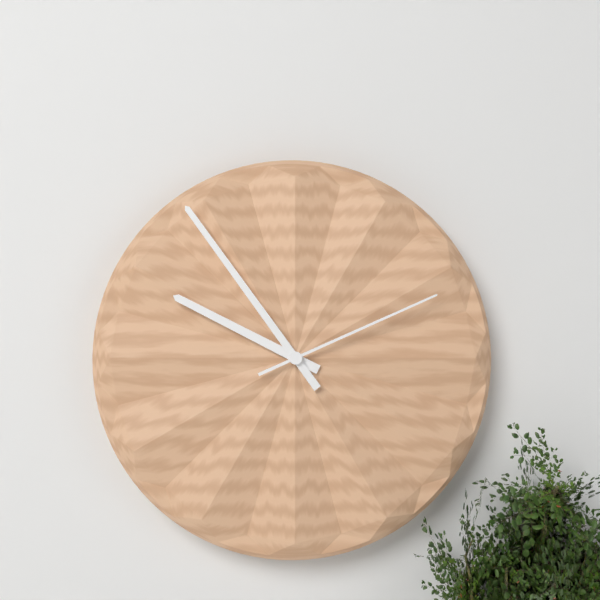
9:54:11
